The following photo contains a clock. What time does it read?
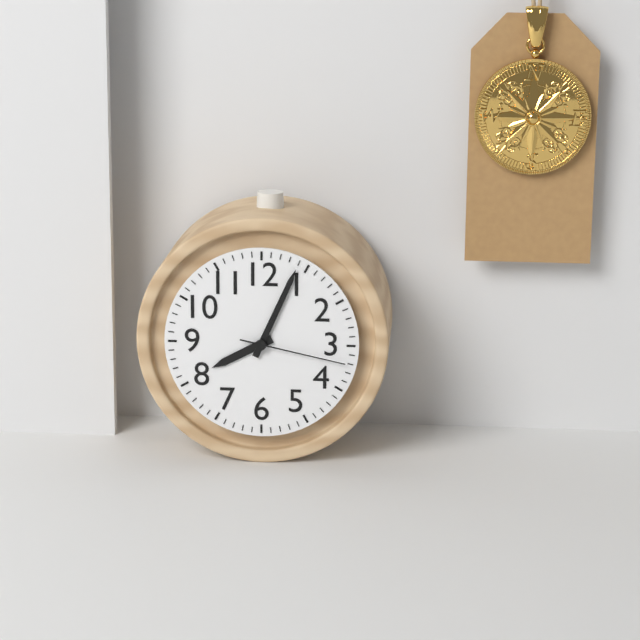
8:04:17
